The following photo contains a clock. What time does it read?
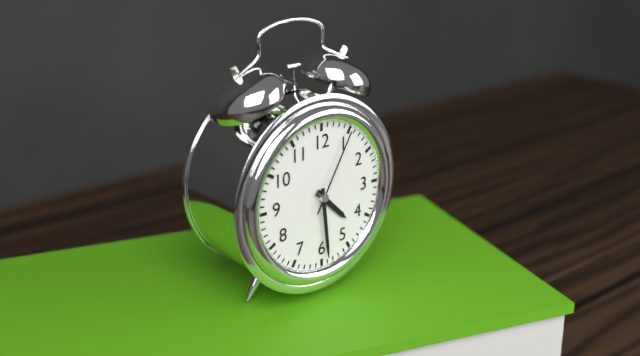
4:29:05
